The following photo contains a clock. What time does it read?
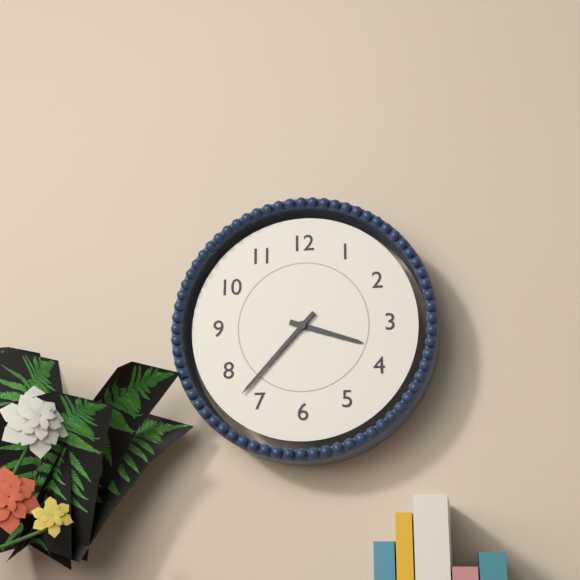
3:37
